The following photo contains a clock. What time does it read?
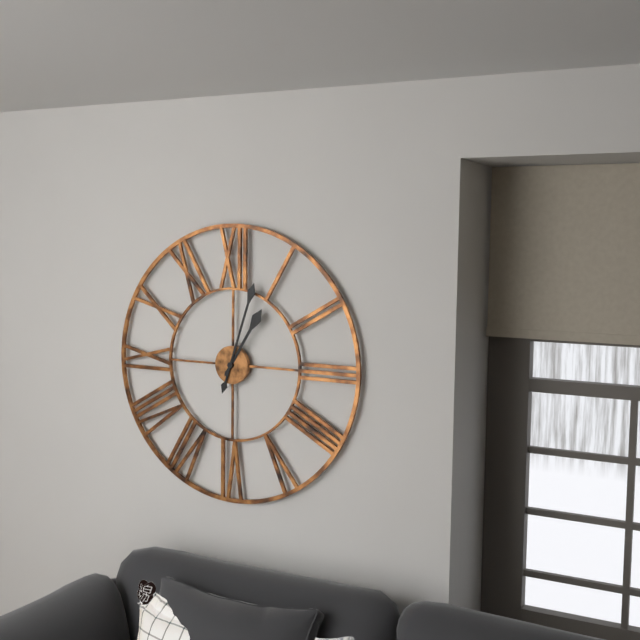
1:03
